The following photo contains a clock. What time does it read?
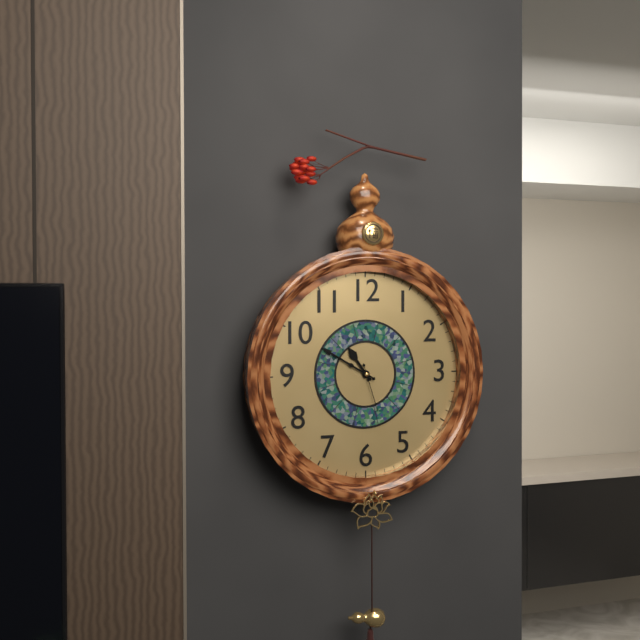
10:50:27
